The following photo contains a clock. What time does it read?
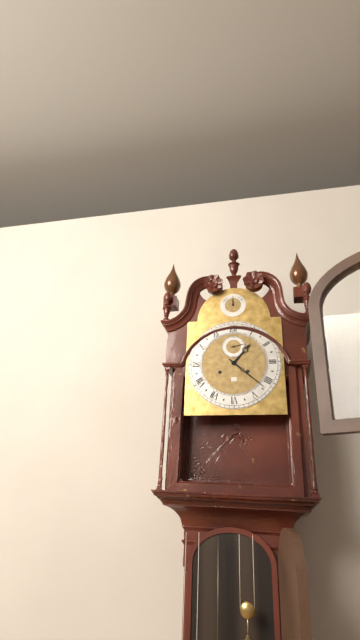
1:22
